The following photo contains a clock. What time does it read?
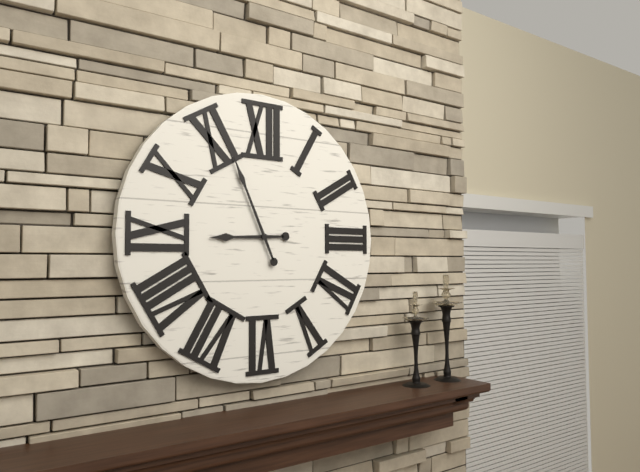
8:56
